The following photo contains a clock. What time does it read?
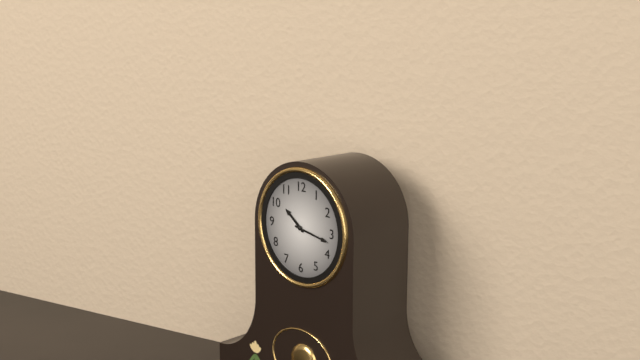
10:17
